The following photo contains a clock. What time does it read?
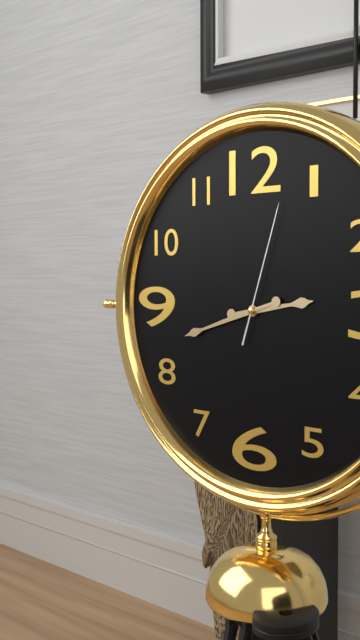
2:42:03
